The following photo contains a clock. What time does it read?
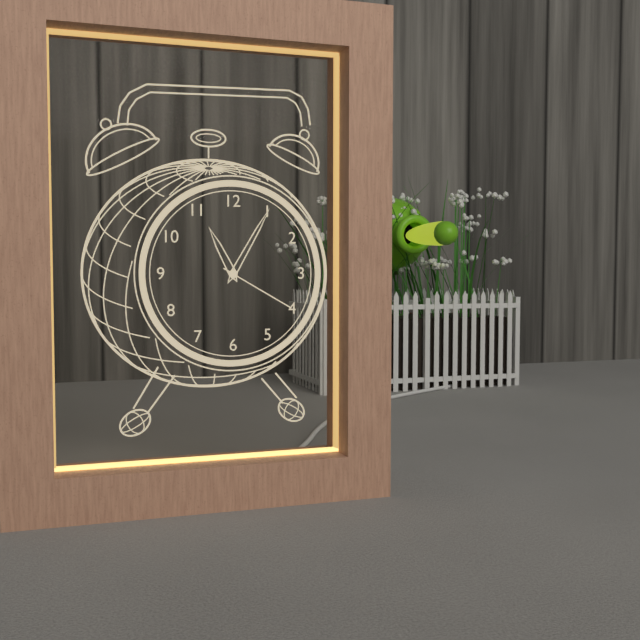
11:05:20
